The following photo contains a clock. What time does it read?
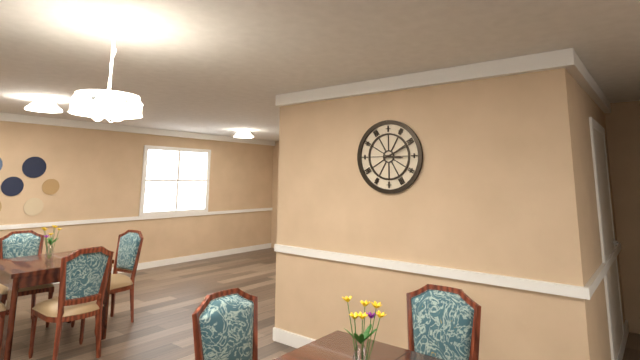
3:11
